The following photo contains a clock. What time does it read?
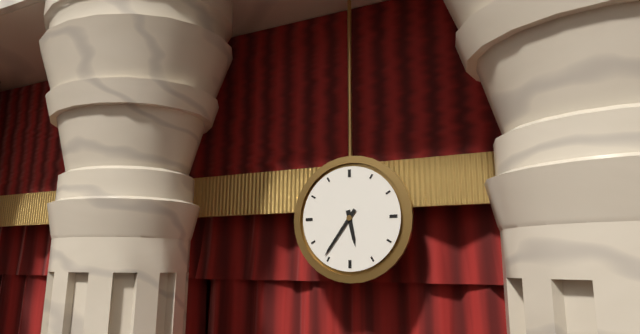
5:36
